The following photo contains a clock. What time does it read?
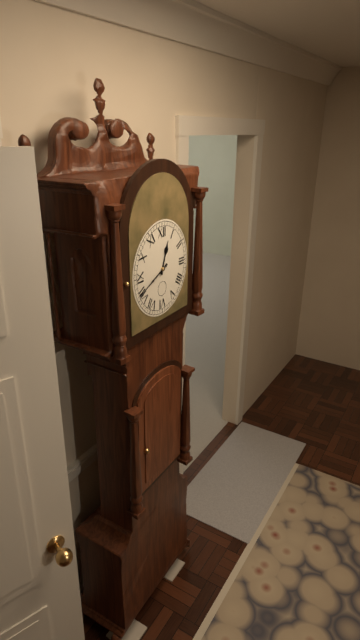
12:41
